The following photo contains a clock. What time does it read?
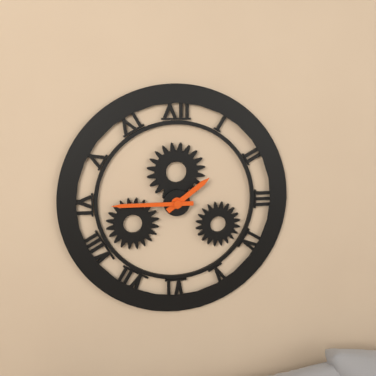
1:45
